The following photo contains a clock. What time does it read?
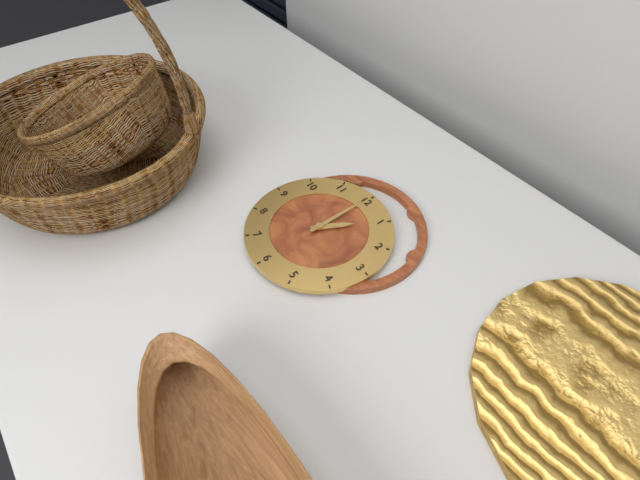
1:00
